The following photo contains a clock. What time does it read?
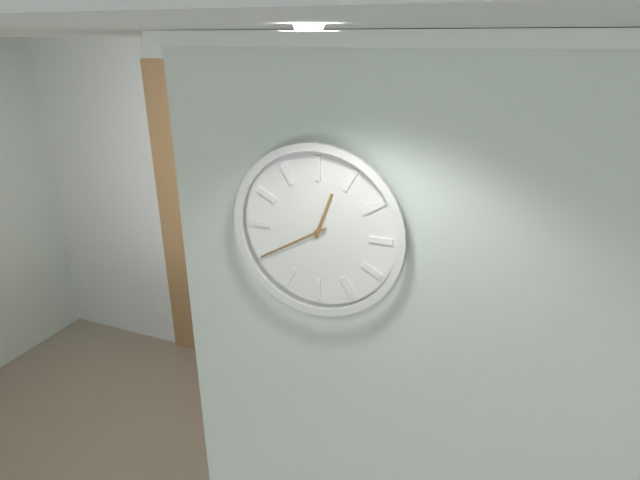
12:40
